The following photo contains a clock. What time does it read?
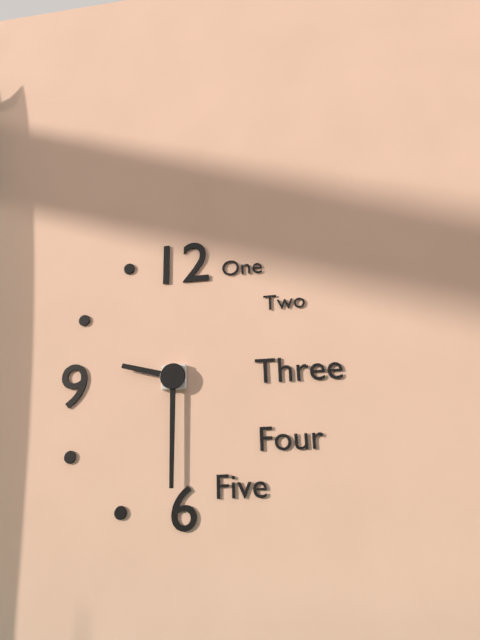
9:30
